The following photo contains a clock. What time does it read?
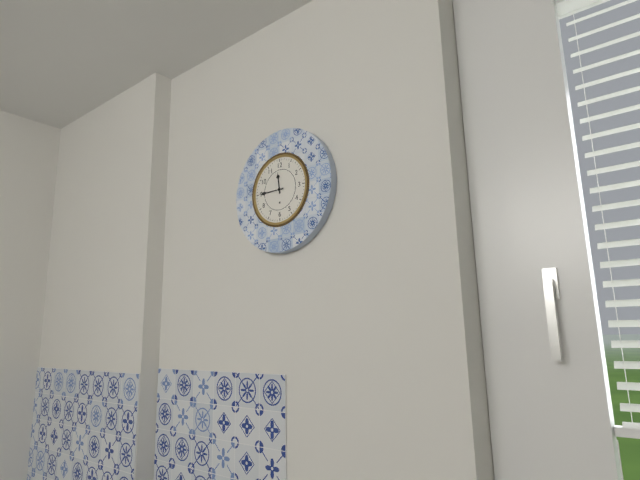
11:45
